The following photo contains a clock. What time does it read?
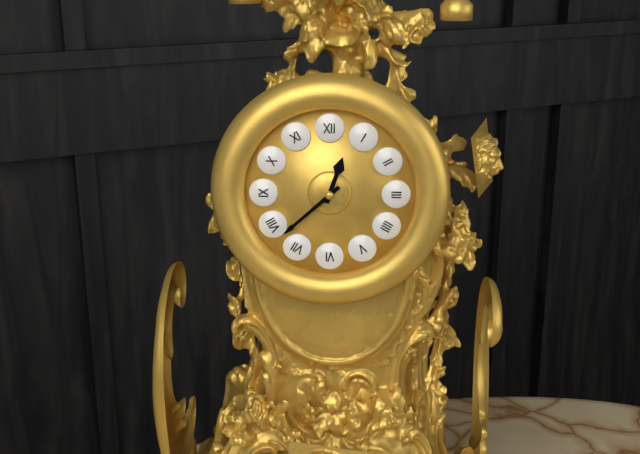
12:38
